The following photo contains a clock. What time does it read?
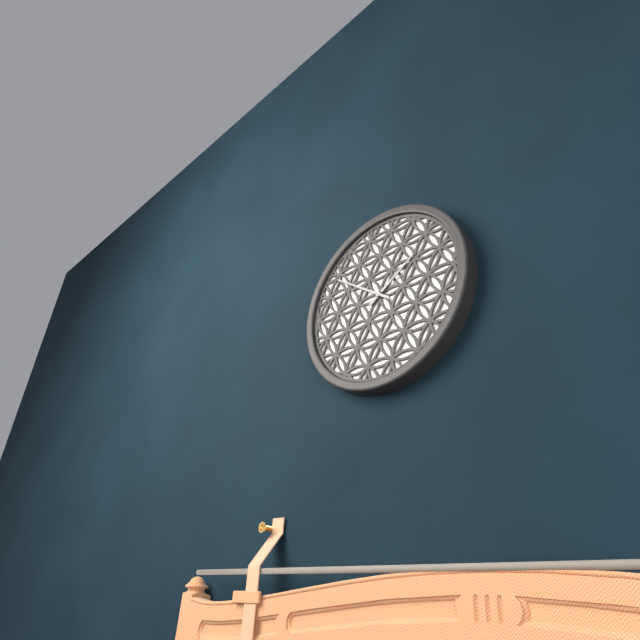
1:51
